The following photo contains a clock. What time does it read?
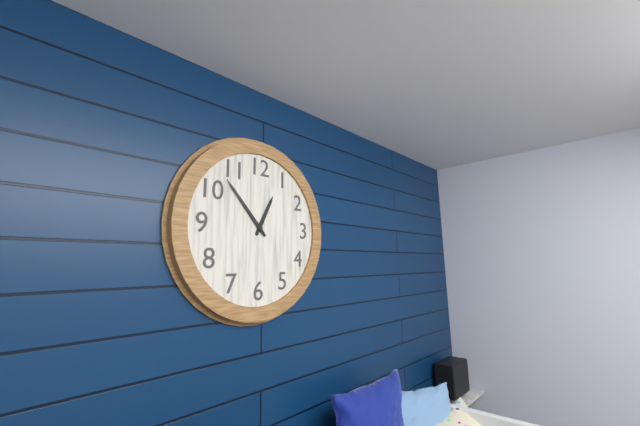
12:53
